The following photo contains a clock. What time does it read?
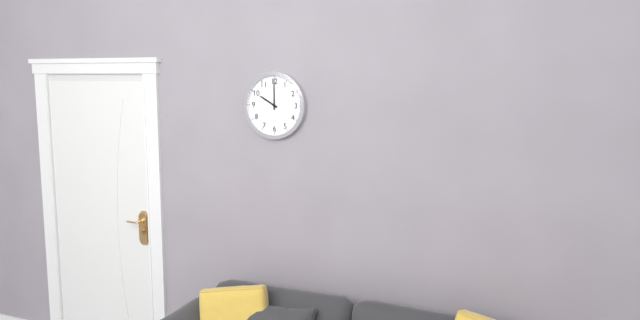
10:00
